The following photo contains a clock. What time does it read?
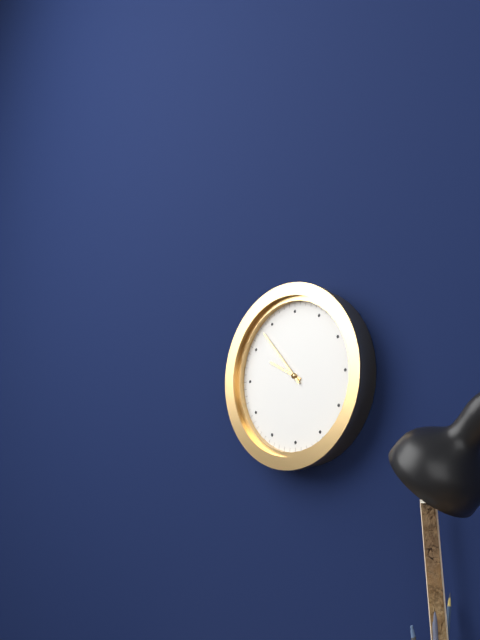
9:53
